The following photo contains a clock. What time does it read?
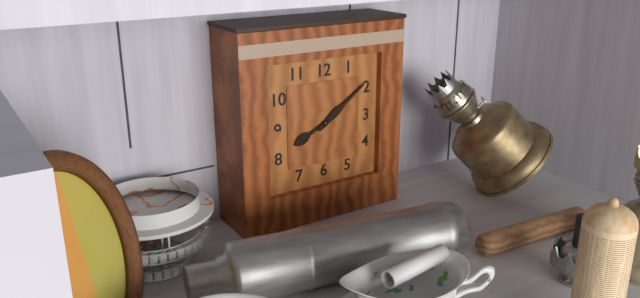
8:09
